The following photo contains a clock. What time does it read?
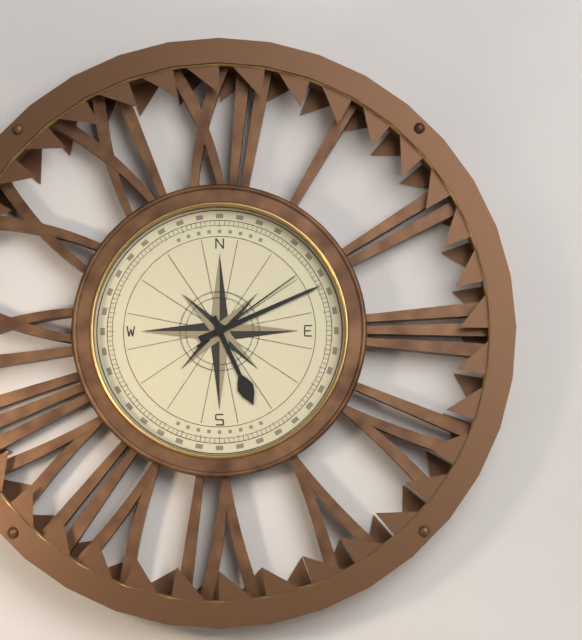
5:11:09
